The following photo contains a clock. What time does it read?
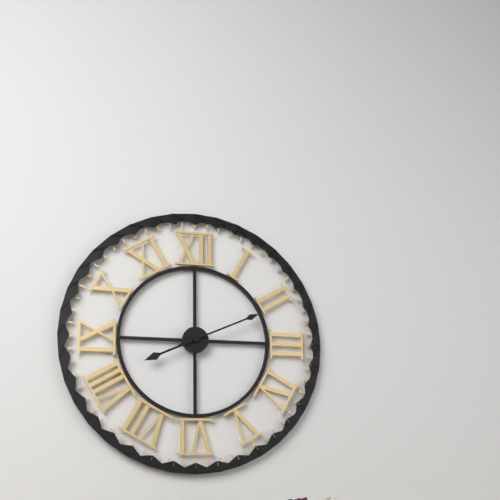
8:11
